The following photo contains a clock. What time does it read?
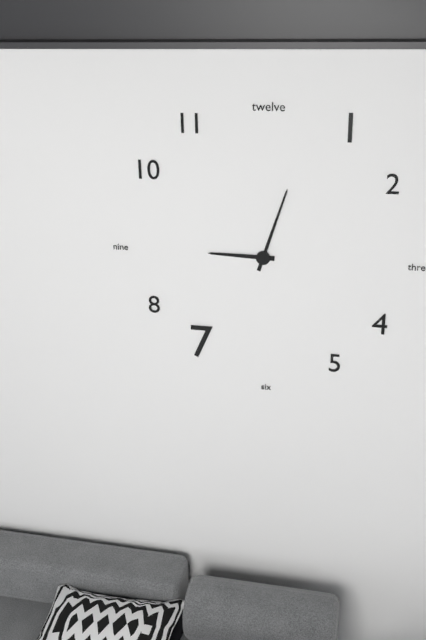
9:03
